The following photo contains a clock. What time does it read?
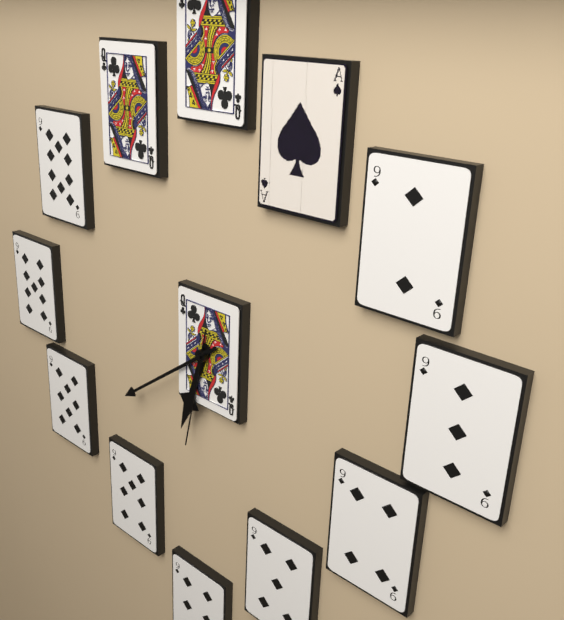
6:39:32
